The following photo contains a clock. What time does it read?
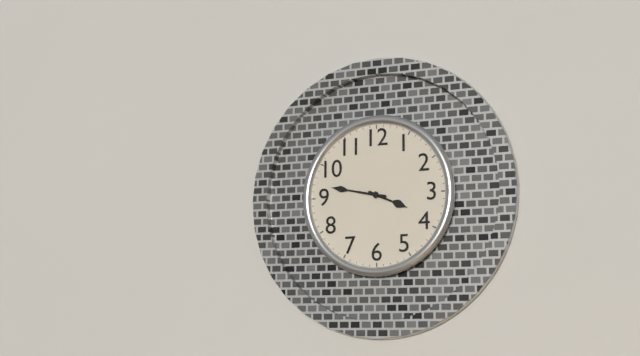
3:47
